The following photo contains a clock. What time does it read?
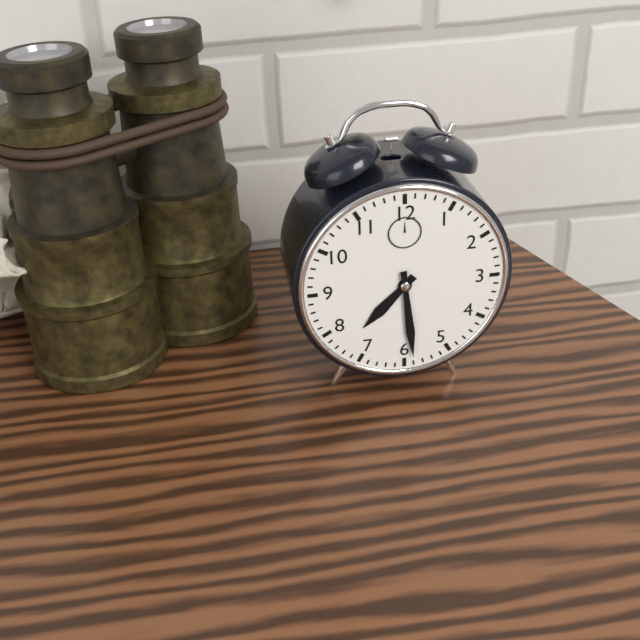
7:29
